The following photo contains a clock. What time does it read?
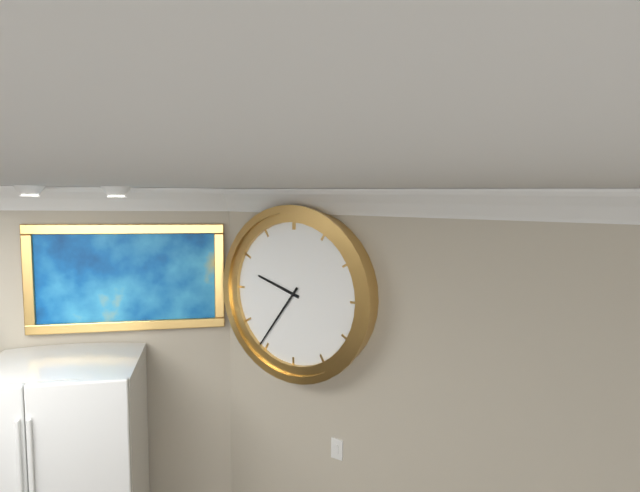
9:36
